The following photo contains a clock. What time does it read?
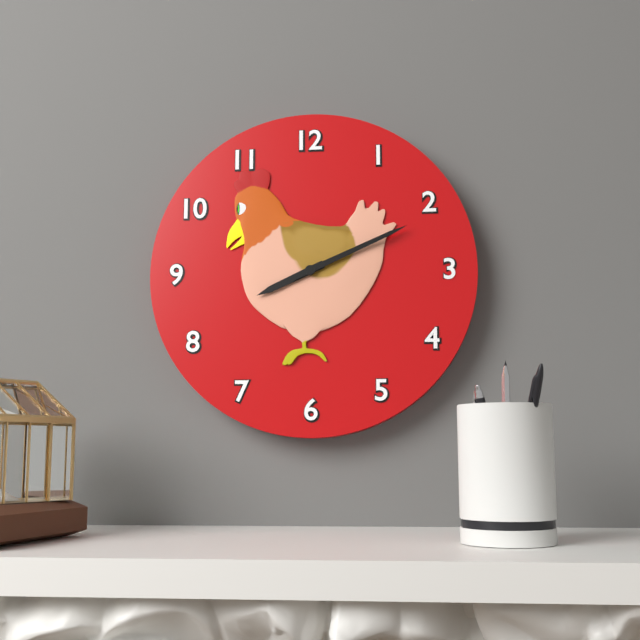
8:11
